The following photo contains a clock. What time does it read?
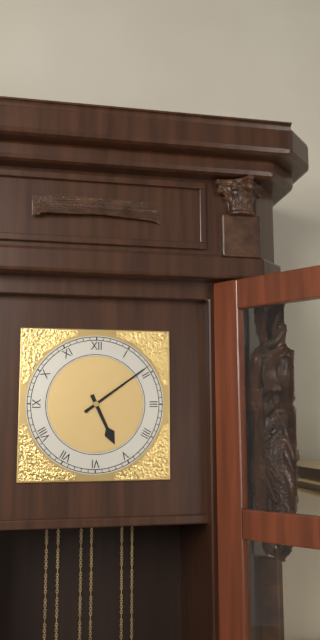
5:09
